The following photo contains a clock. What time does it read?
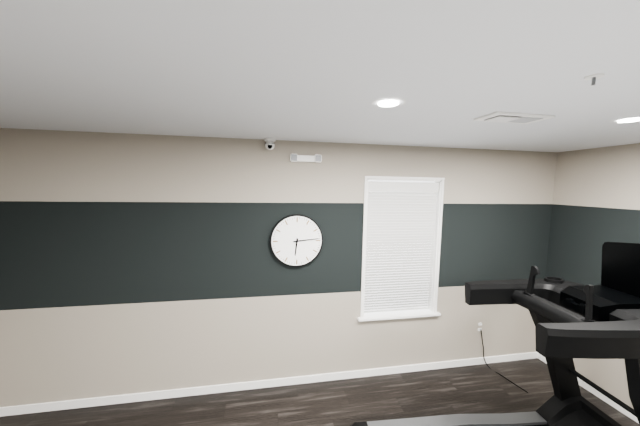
6:14
